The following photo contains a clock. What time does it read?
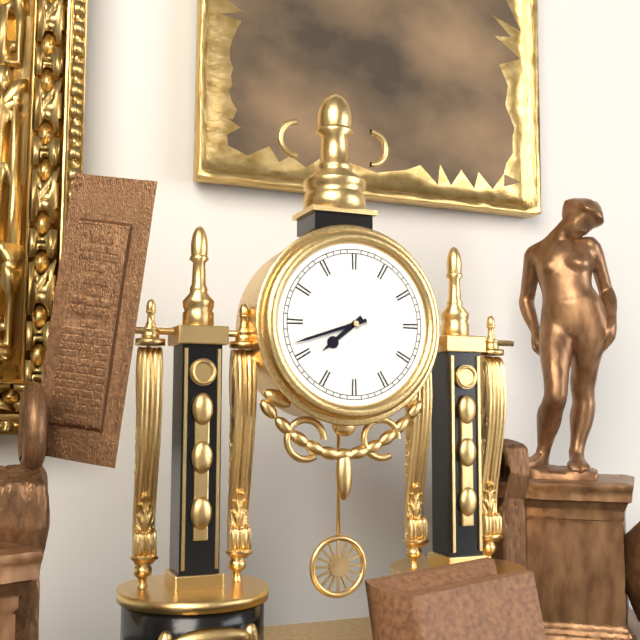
7:42
